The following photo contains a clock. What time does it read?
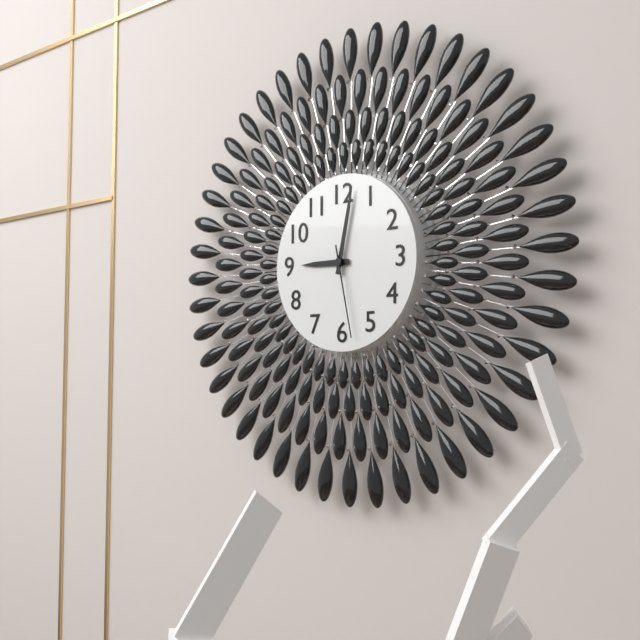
9:02:28
